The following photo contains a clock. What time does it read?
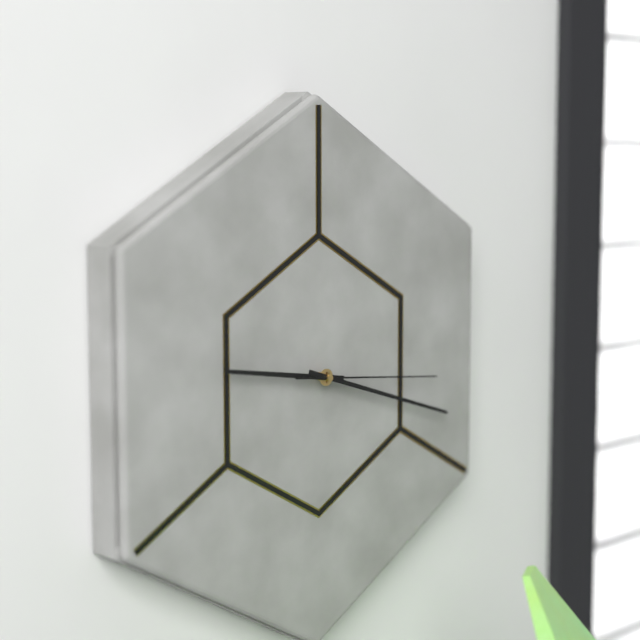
9:18:16
